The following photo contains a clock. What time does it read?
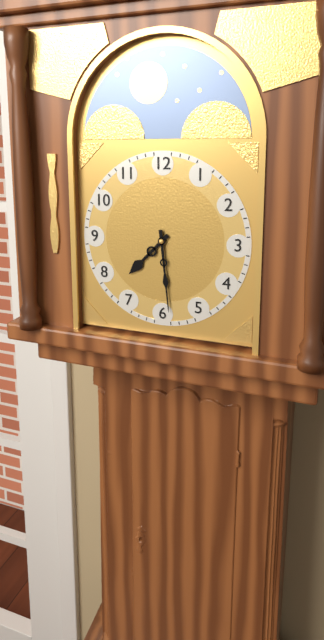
7:29
